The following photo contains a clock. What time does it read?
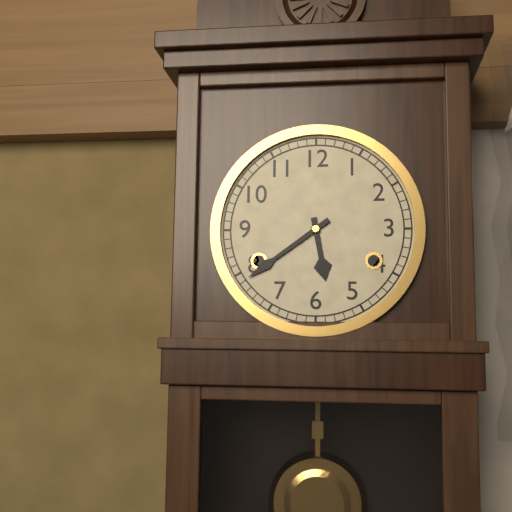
5:39
